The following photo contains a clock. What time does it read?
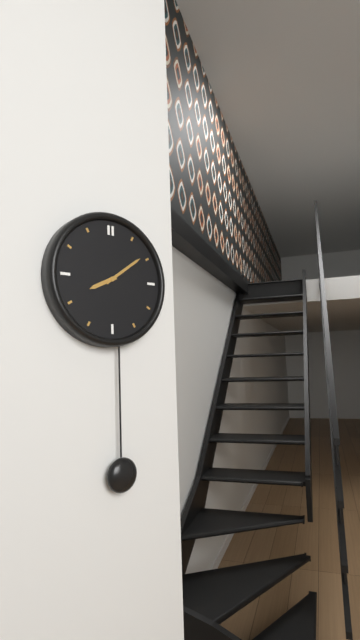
8:09
